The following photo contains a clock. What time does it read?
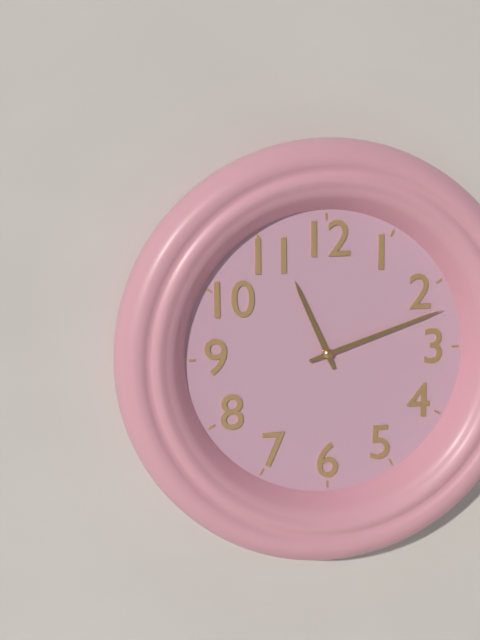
11:12
